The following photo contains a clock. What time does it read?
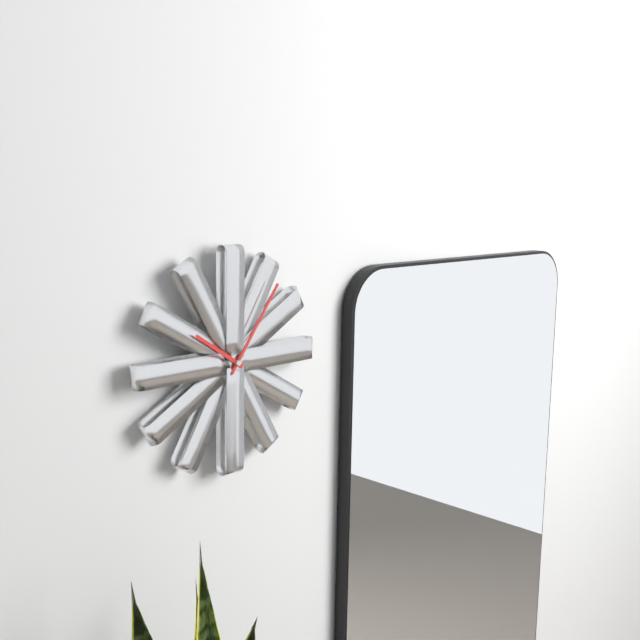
10:06
